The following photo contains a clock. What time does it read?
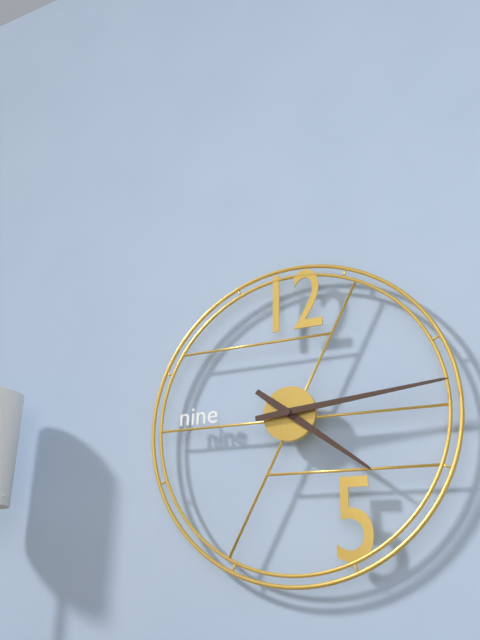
4:14
